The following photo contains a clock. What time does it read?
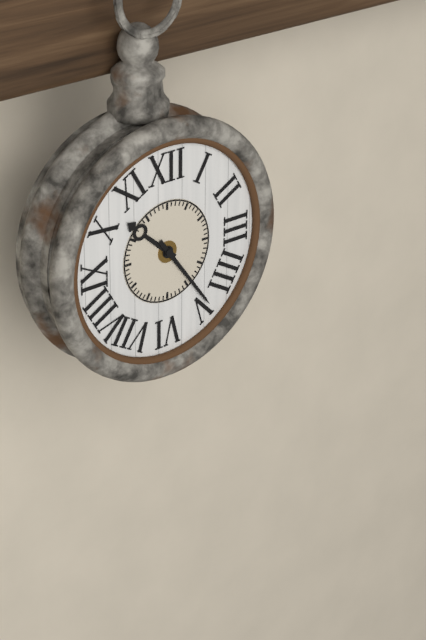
10:24
